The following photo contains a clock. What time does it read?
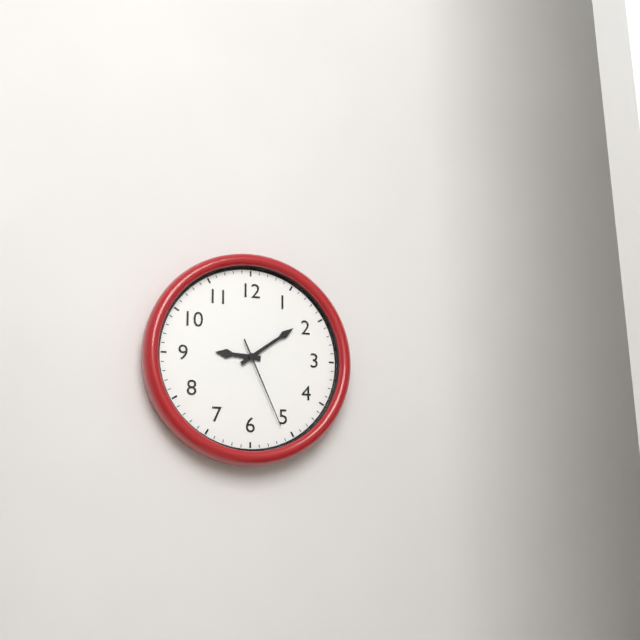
9:09:26
